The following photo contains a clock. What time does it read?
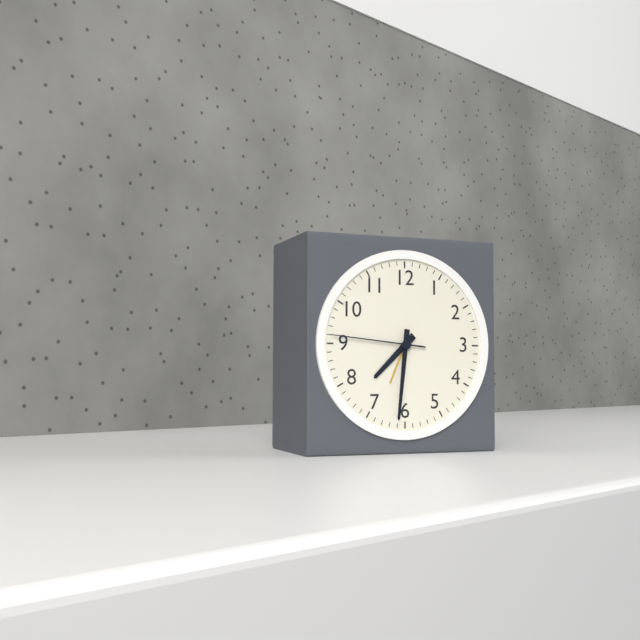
7:31:46
